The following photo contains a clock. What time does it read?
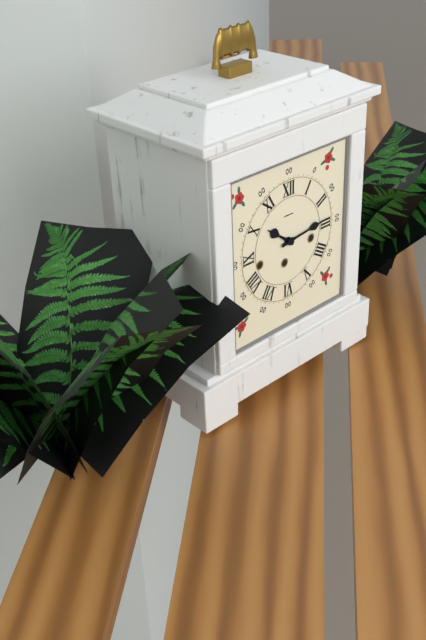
10:14
